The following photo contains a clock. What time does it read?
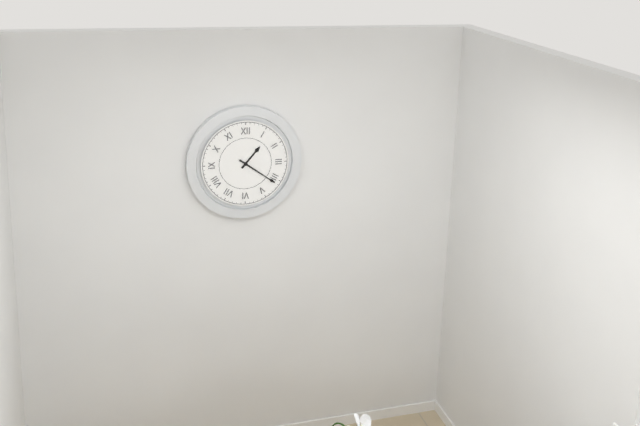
1:21
